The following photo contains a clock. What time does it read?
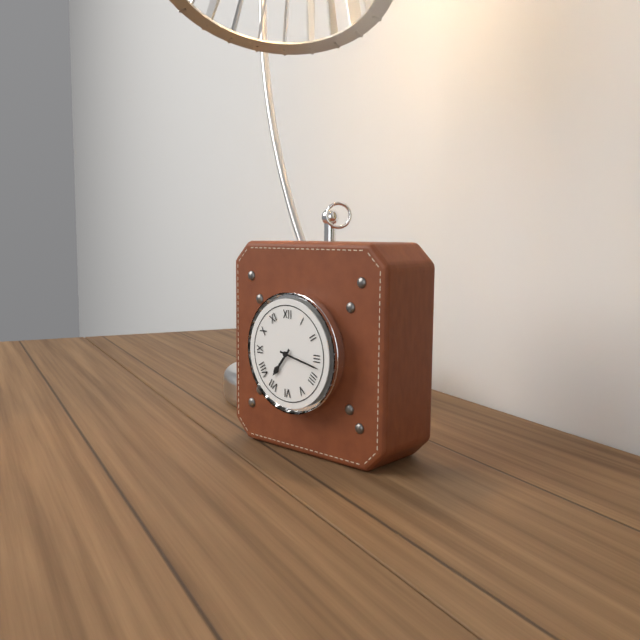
7:17
